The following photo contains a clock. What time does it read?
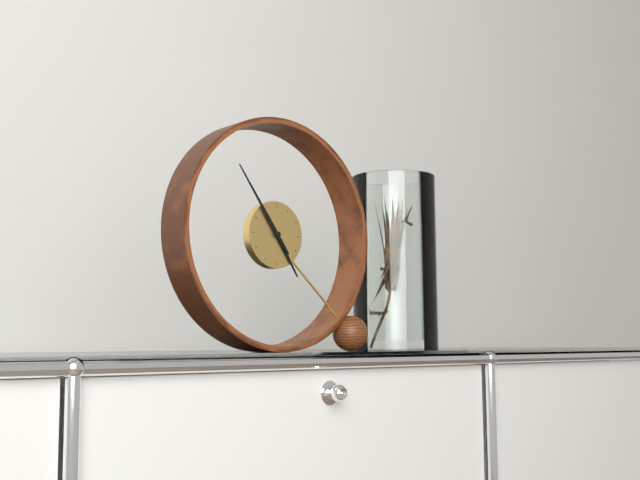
4:54
